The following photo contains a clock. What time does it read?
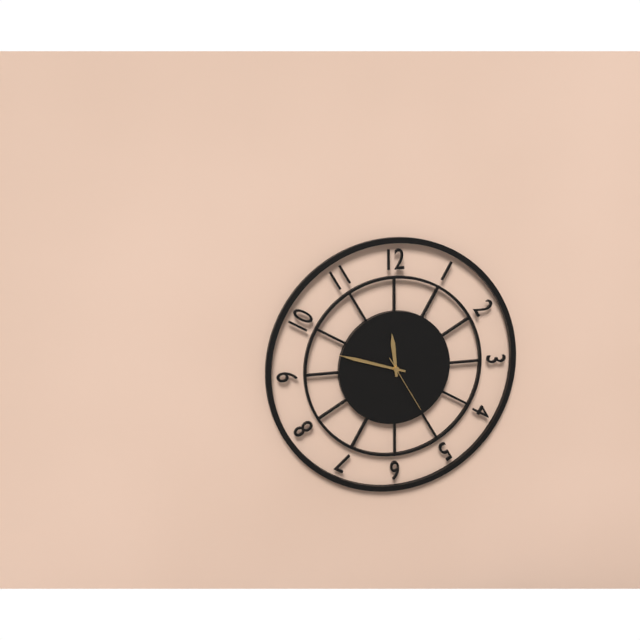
11:48:25
